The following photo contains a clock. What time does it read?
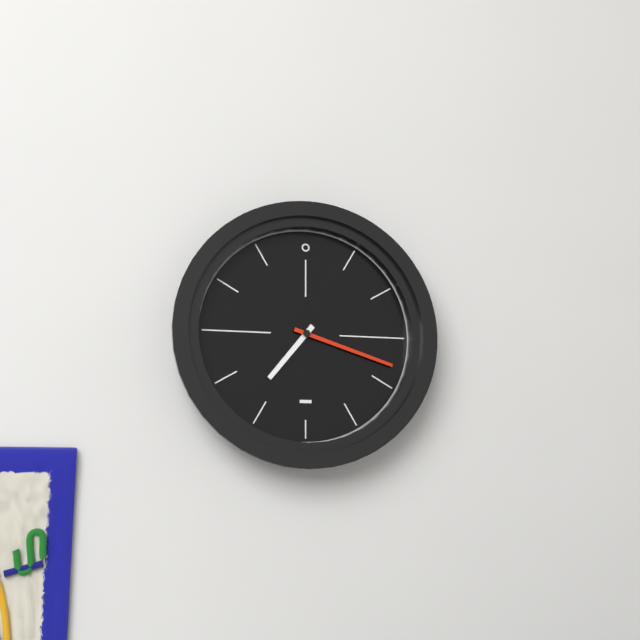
7:18
